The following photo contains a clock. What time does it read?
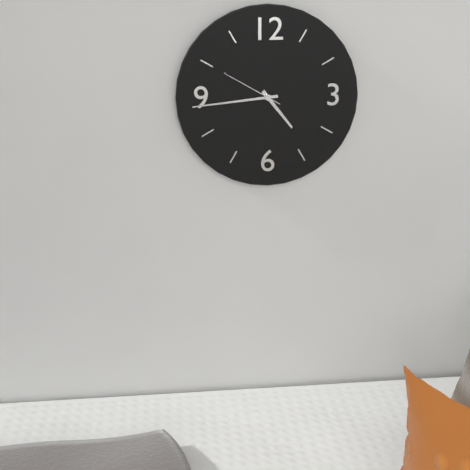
4:44:50
